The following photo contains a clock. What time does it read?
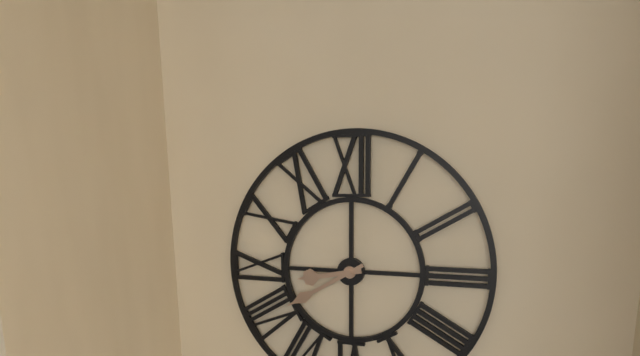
8:40
